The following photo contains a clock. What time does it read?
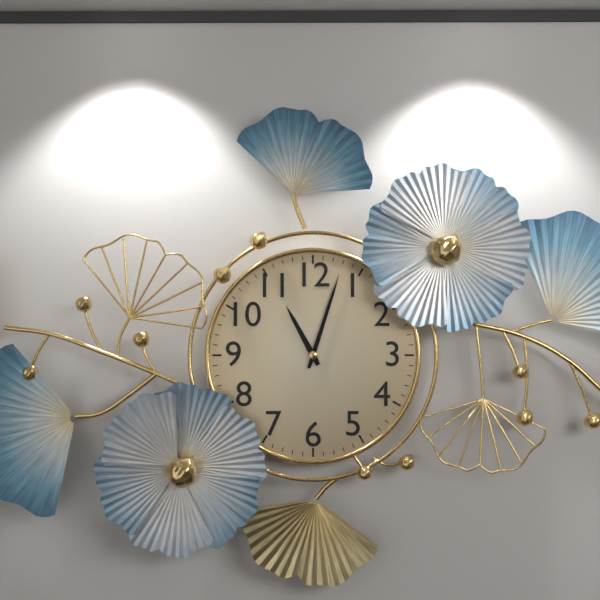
11:03
